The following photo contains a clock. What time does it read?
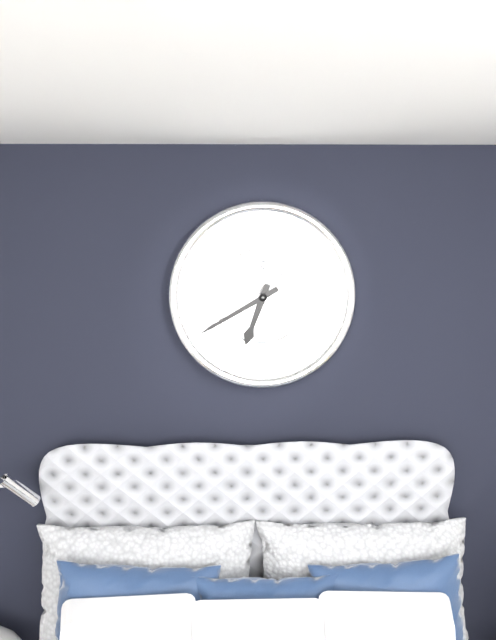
6:40
